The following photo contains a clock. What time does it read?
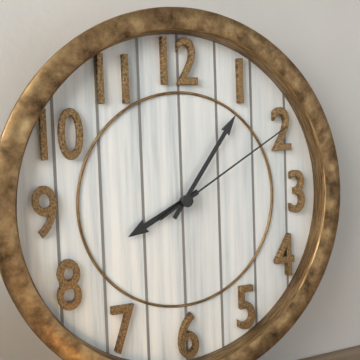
8:06:10
